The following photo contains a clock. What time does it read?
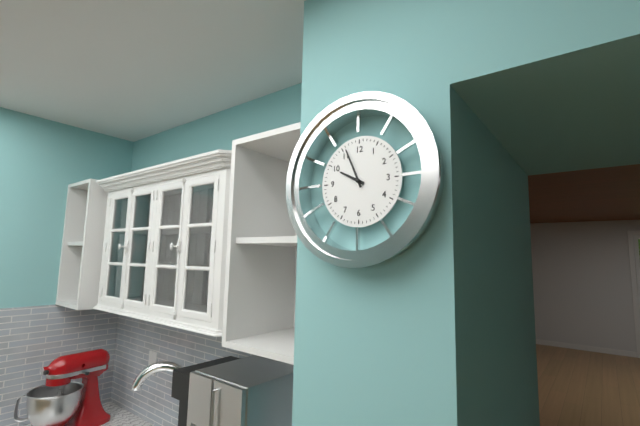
9:56
